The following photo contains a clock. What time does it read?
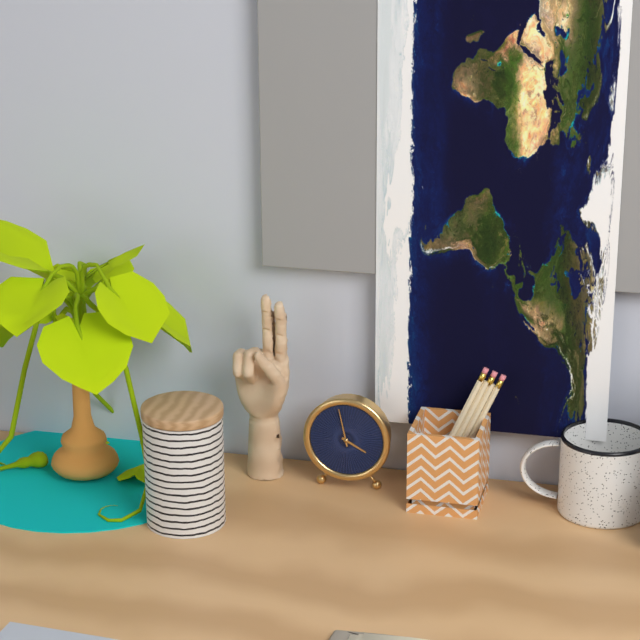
3:58
